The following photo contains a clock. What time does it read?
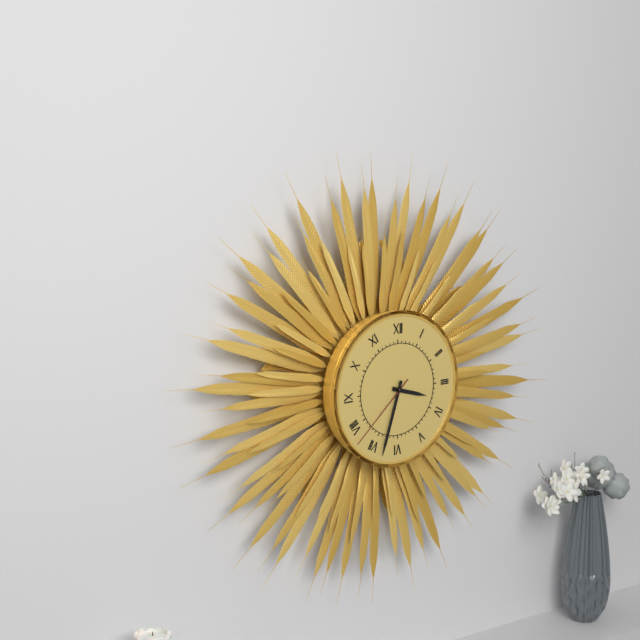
3:33:38
